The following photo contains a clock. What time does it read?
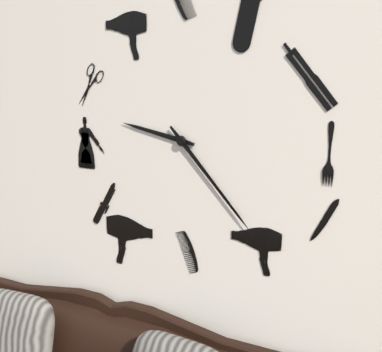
9:23
